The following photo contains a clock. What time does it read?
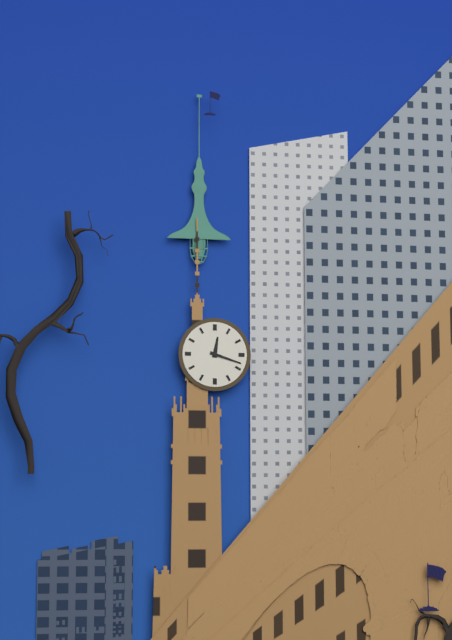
12:18
